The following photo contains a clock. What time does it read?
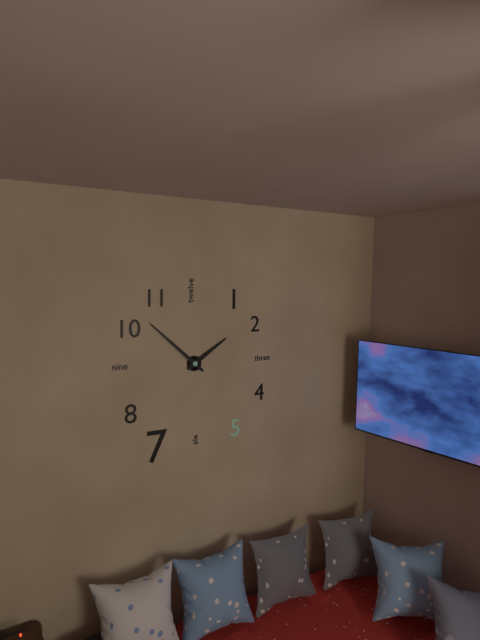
1:52
